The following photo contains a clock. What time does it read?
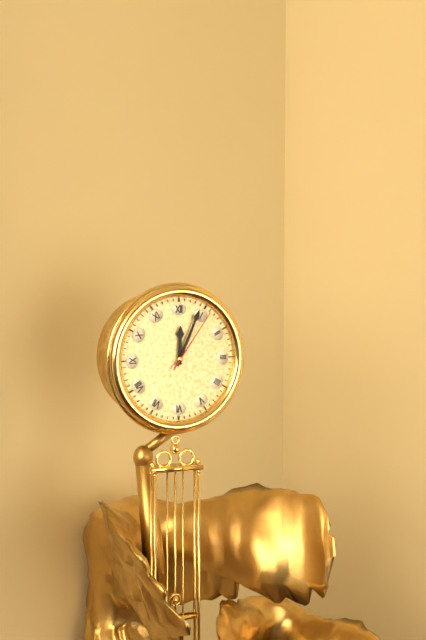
12:04:06
